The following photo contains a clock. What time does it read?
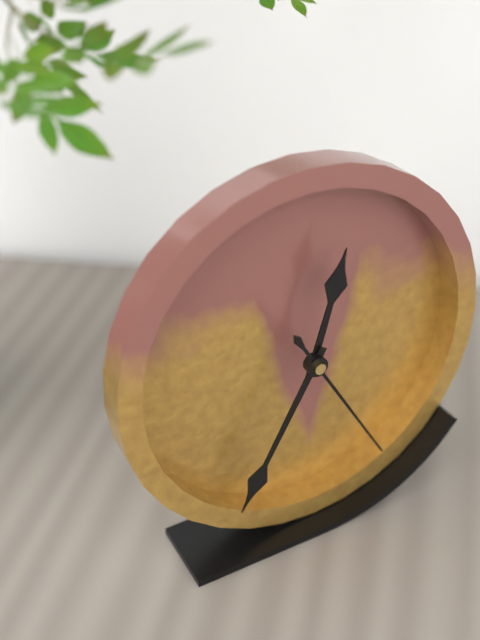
12:35:25
